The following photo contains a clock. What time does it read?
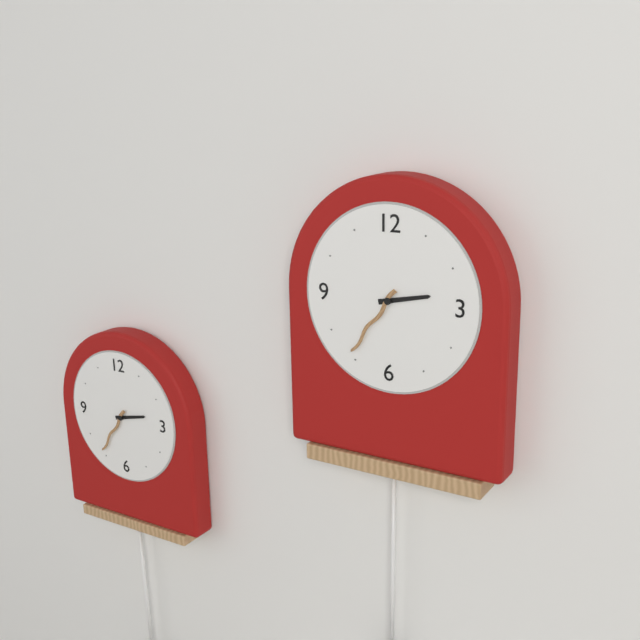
2:36
